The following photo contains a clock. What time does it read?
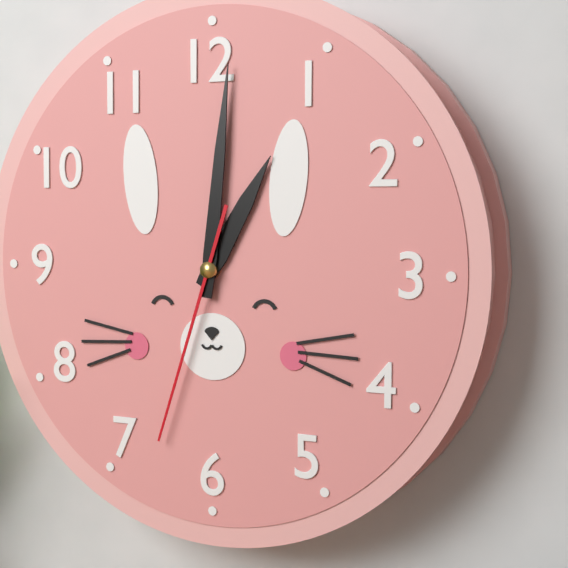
1:01:33
